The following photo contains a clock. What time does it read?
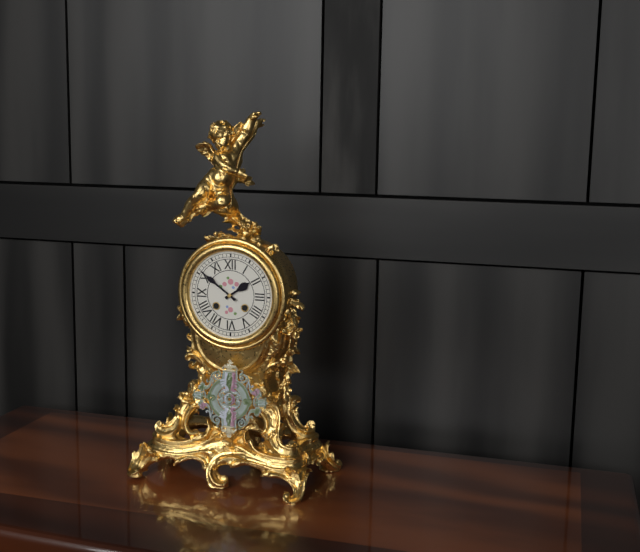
1:51
